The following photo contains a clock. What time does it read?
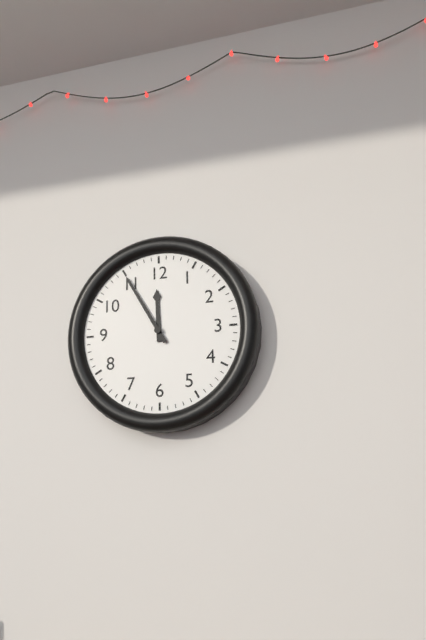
11:55
